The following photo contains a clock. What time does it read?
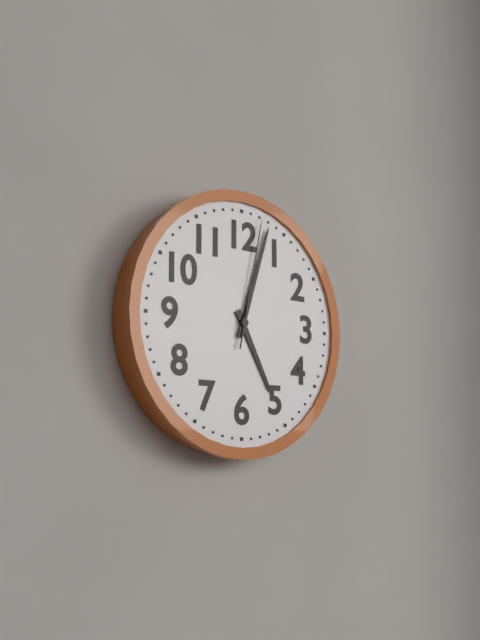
5:03:02
